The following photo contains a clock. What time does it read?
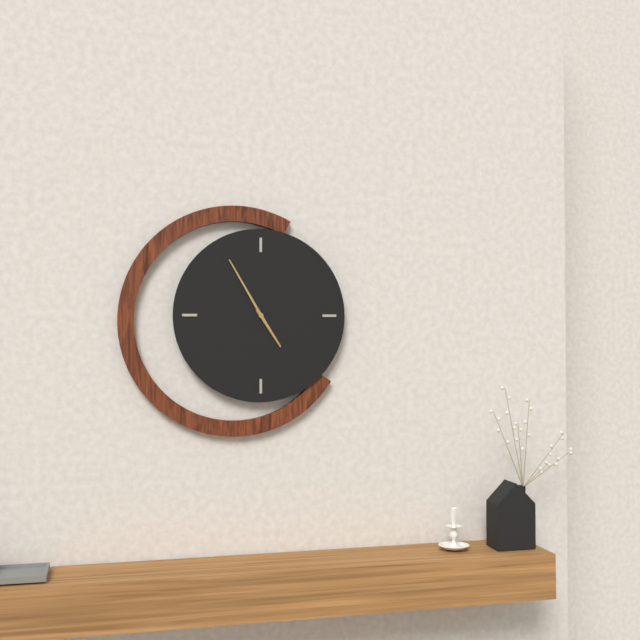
4:55
